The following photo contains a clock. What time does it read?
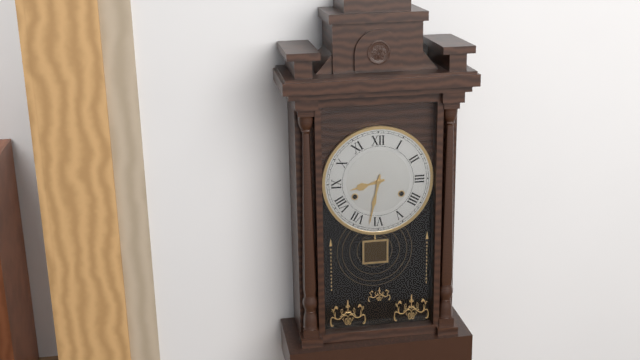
8:32
